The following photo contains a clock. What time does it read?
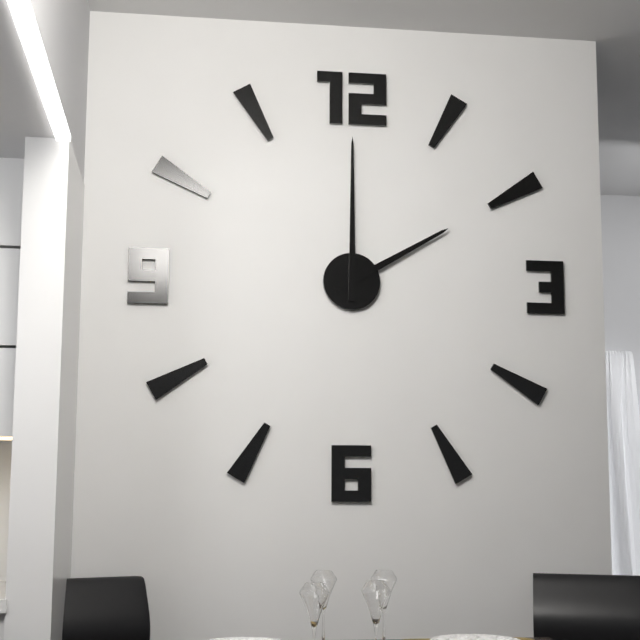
2:00
